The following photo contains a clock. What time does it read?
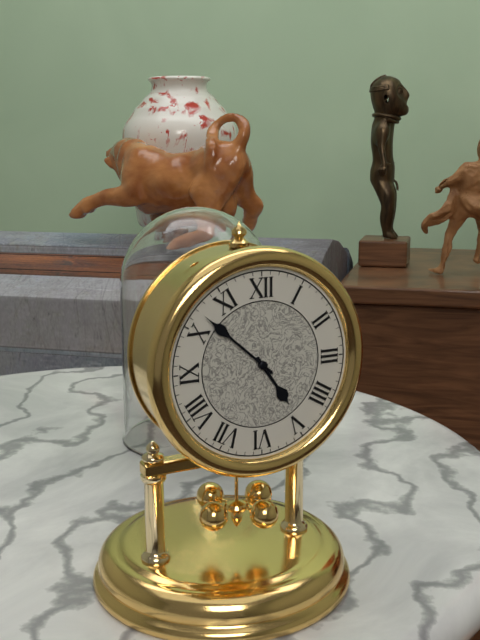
4:52
